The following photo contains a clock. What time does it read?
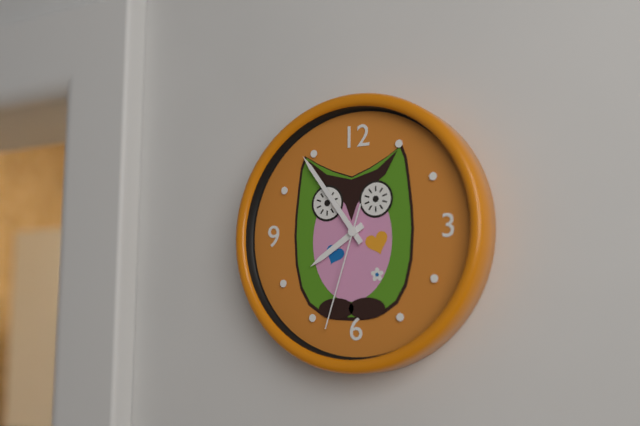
7:54:33
